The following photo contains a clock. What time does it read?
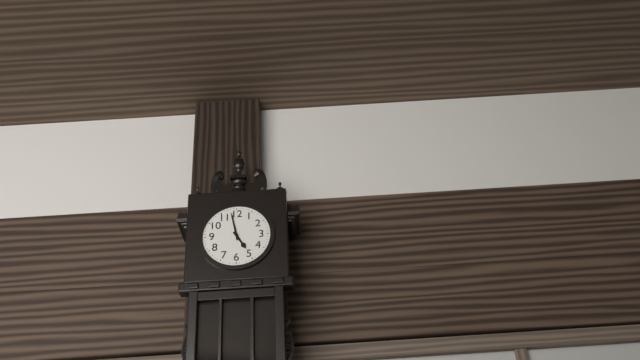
4:58
